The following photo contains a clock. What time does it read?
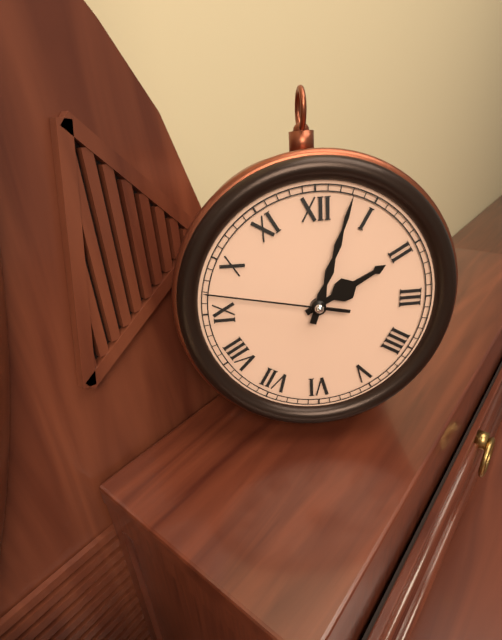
2:03:47
